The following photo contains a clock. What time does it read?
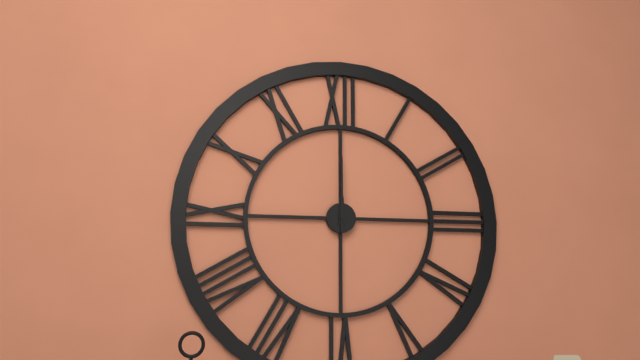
12:00
